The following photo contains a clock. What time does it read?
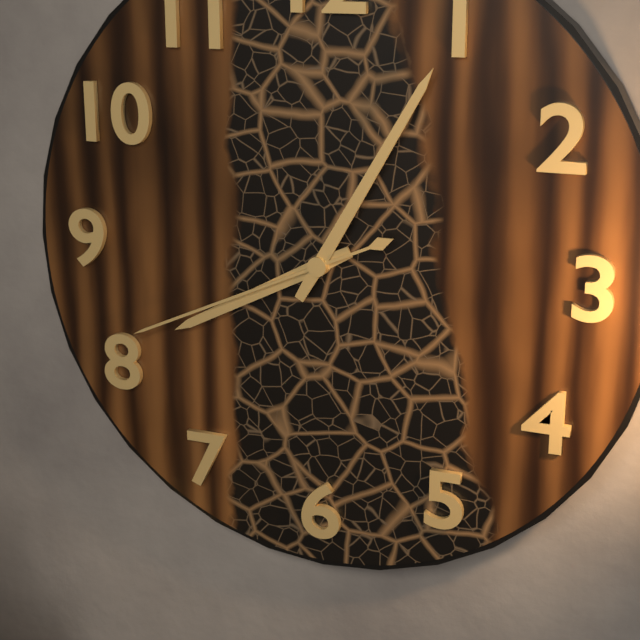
8:05:41
